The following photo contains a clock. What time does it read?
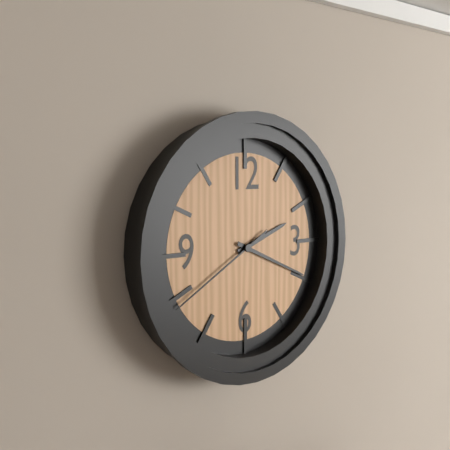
2:19:40
